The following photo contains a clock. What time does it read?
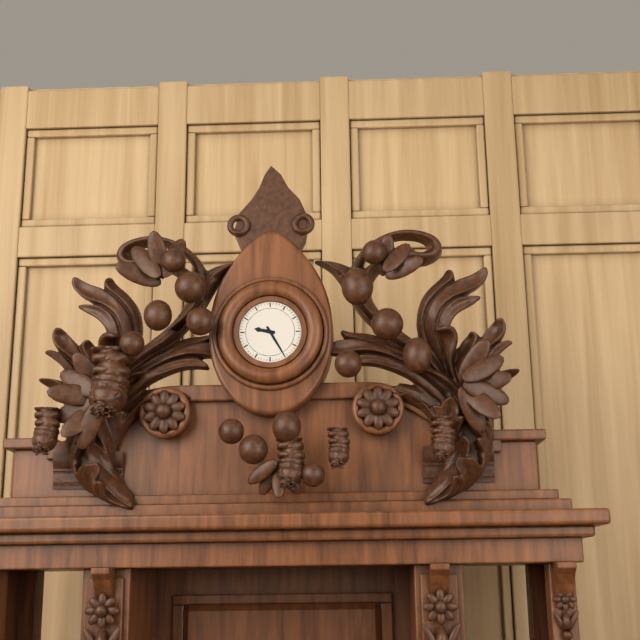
9:25
